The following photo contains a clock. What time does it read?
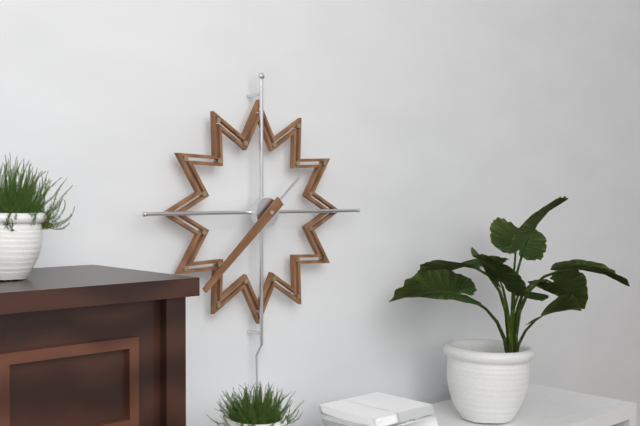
1:38
